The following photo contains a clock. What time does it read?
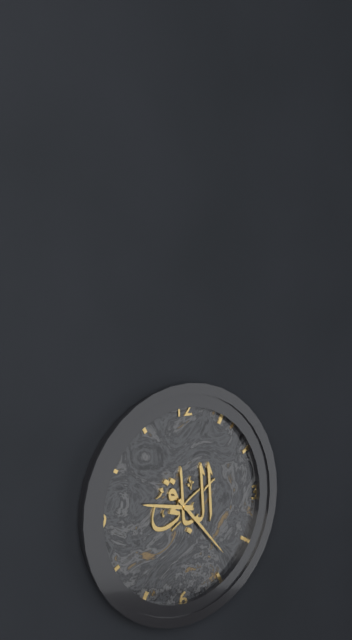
9:23
